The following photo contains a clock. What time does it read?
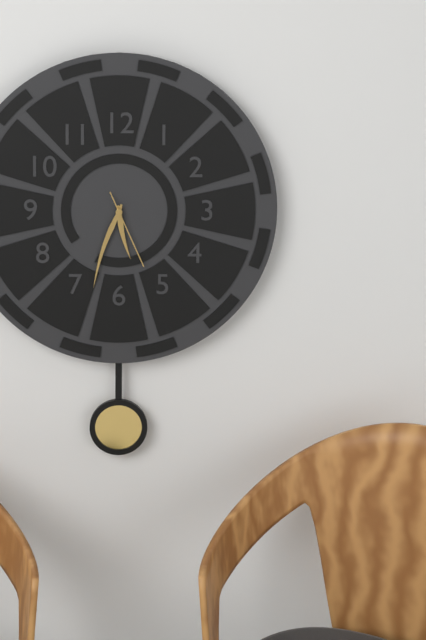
5:33:26
